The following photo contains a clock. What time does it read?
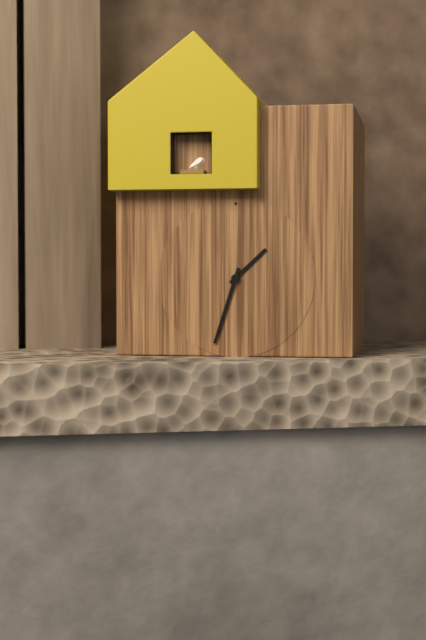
1:33
